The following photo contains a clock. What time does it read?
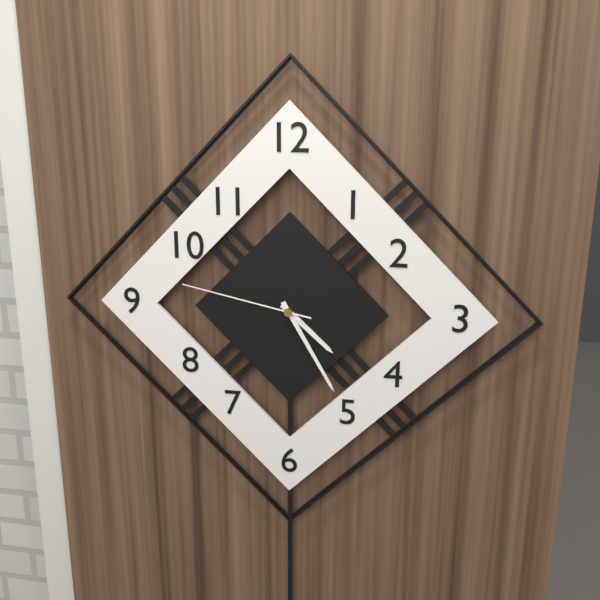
4:25:47
